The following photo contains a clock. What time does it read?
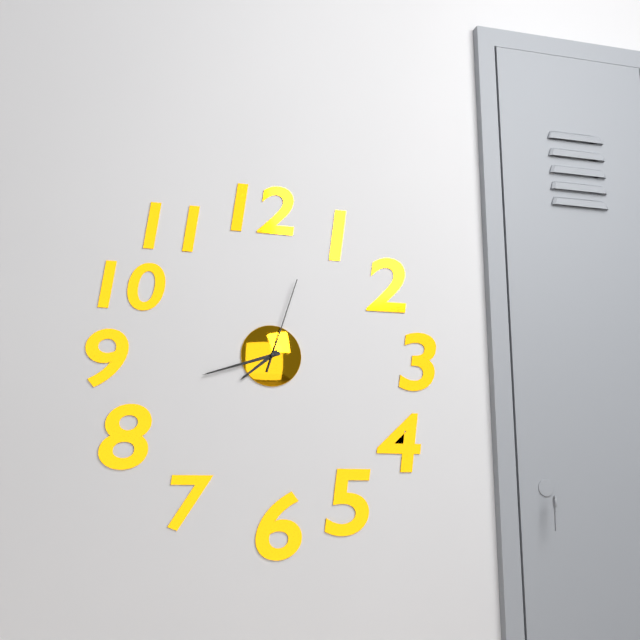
7:42:03
